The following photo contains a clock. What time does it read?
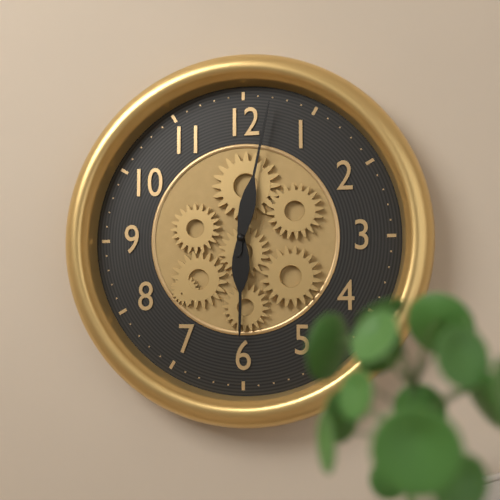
6:02
